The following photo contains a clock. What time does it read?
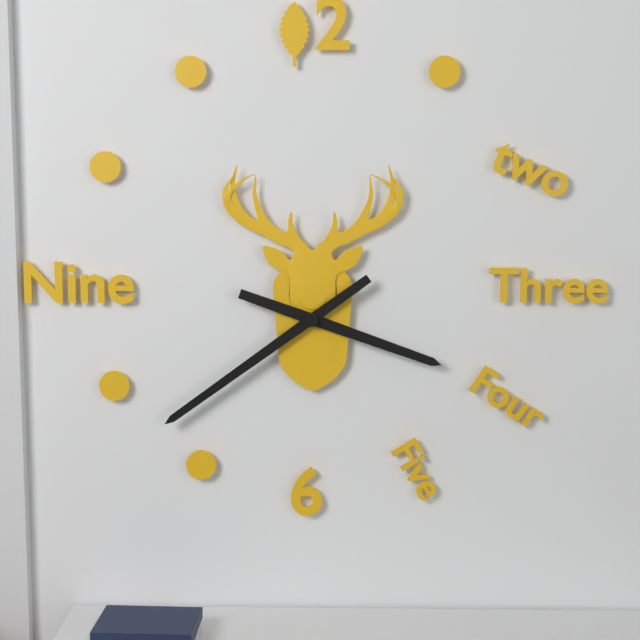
3:39
